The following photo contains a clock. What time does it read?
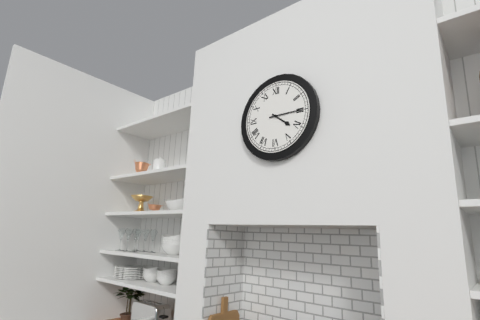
4:15
